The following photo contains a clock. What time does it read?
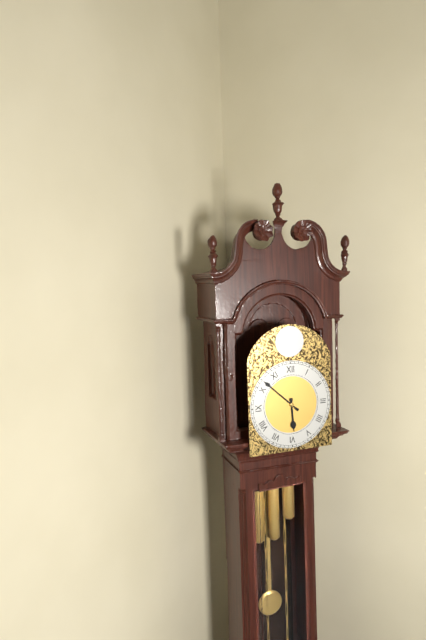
5:52
